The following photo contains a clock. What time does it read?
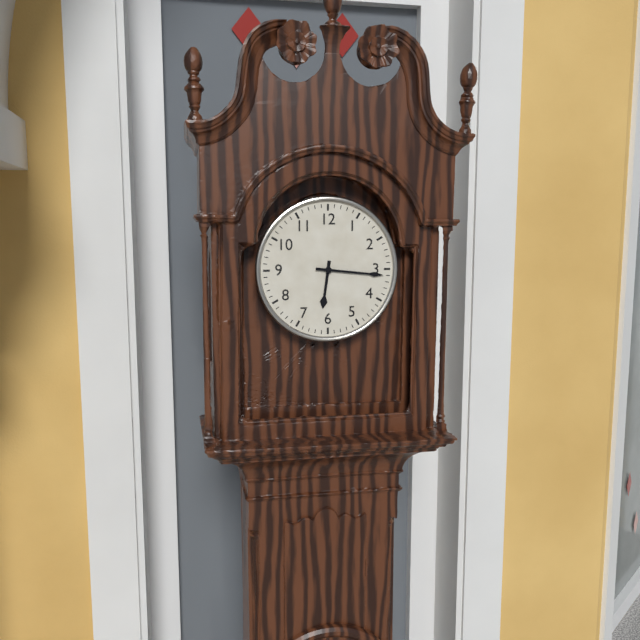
6:16
